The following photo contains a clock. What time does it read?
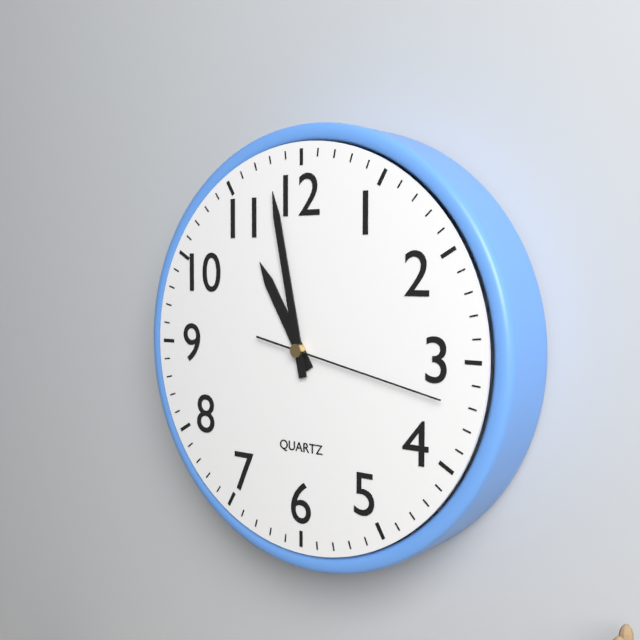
10:58:17
